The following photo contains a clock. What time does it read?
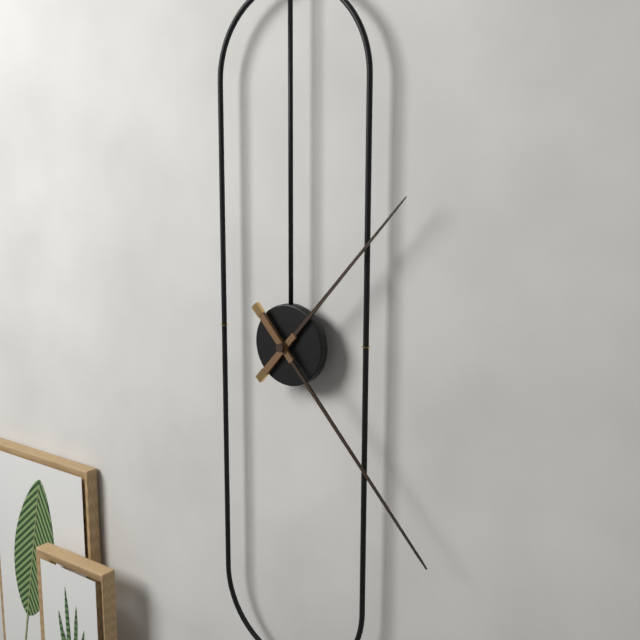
1:23
